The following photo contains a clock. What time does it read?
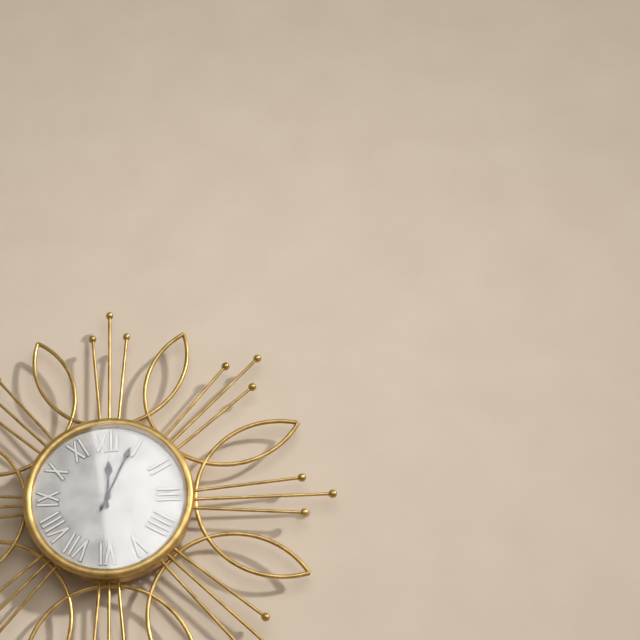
12:04
